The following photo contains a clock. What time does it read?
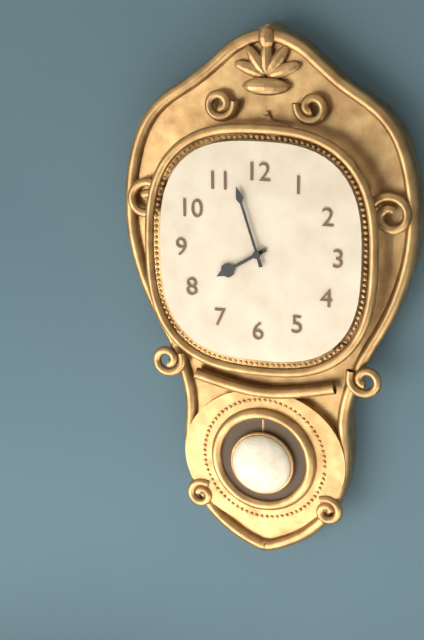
7:57
